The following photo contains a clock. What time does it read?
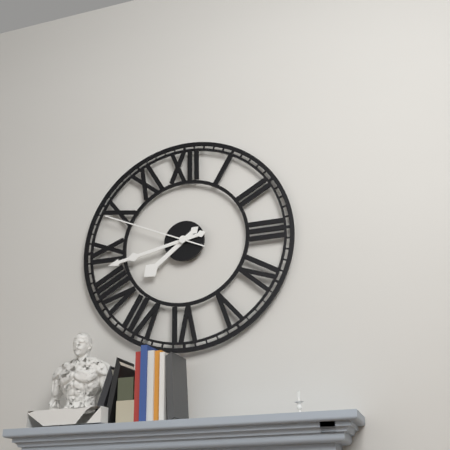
7:43:49
